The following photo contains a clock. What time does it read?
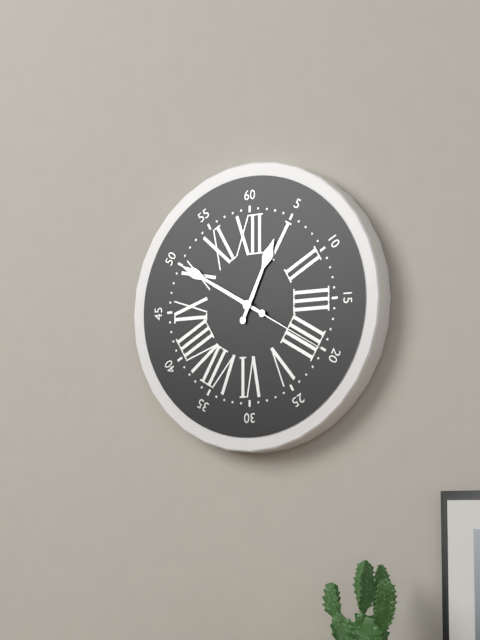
12:50:20
